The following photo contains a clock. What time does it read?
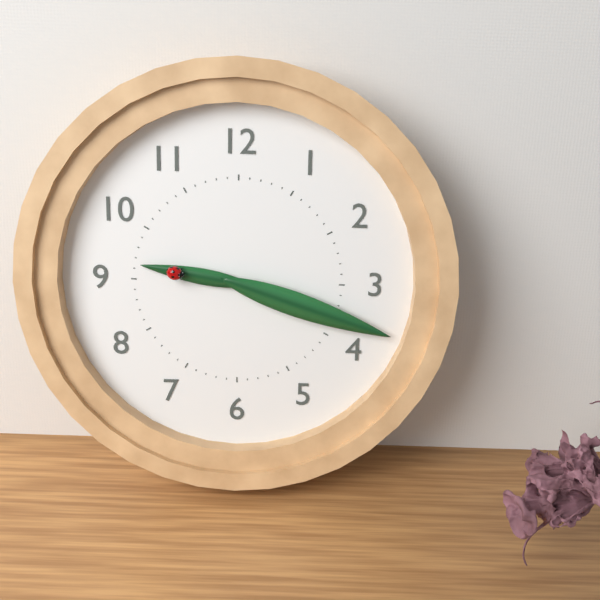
9:18
